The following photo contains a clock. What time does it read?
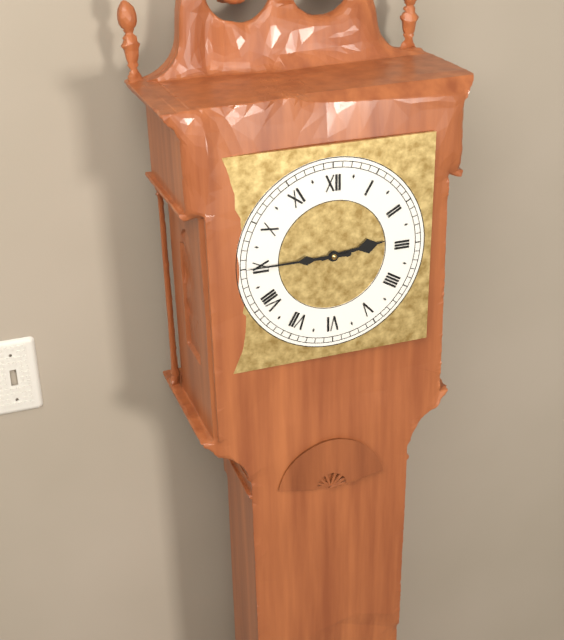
2:45
